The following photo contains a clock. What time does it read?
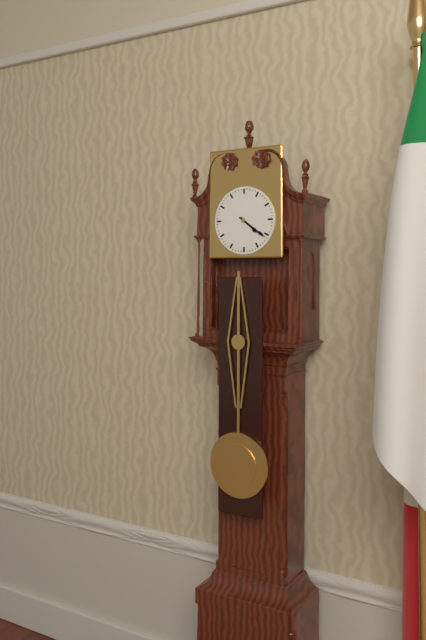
4:21
